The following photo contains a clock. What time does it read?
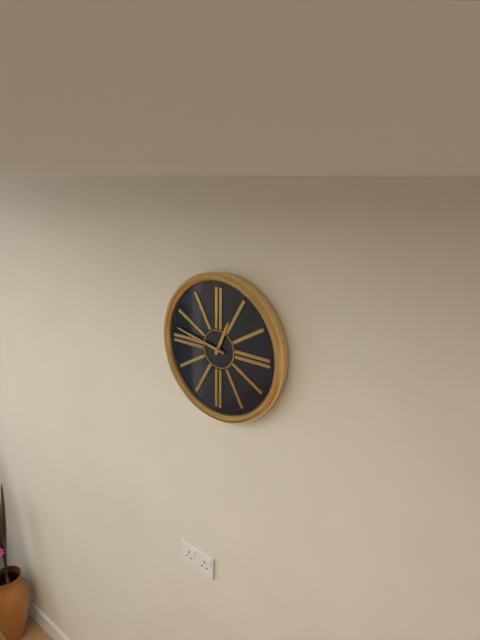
12:47
